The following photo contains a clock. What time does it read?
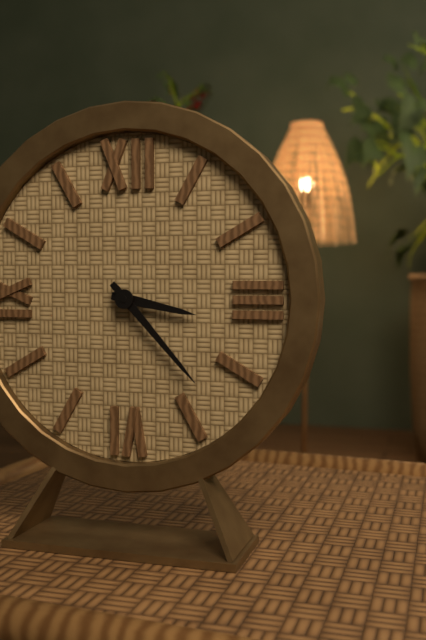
3:23
